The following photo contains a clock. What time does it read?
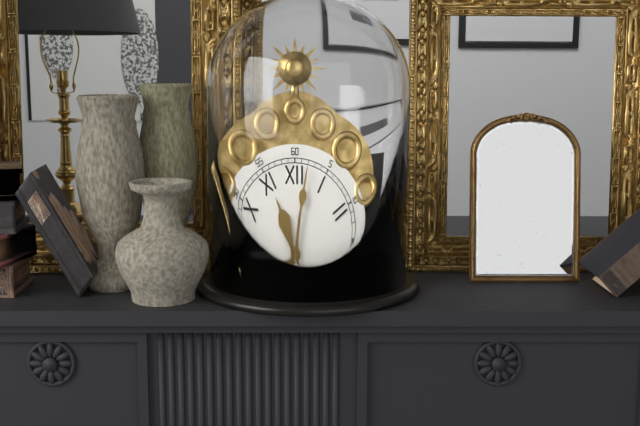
11:02
